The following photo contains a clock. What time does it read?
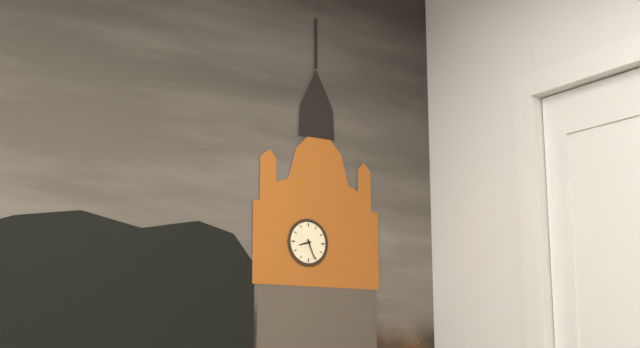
8:26
